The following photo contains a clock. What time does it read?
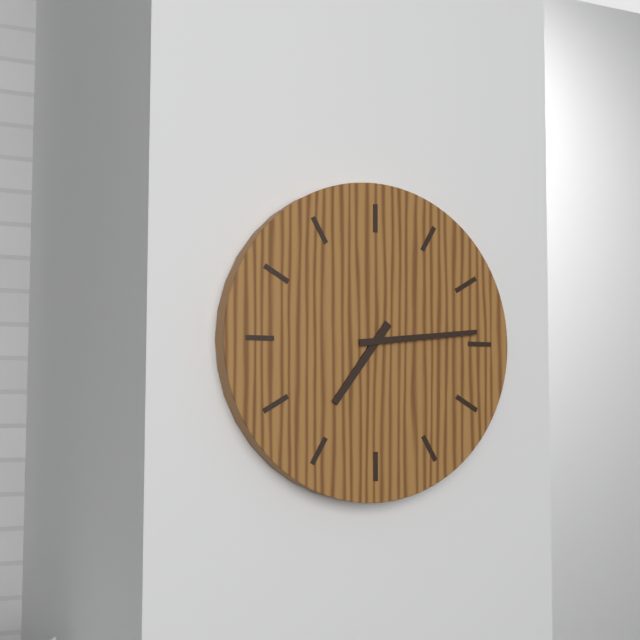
7:14
